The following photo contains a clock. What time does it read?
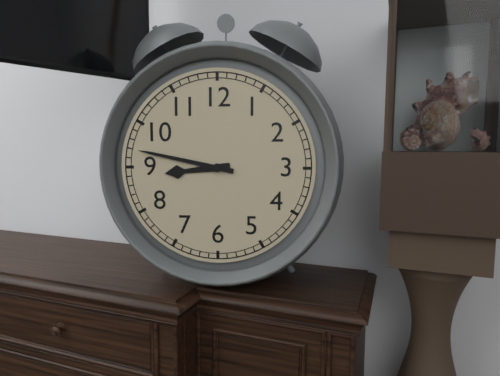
8:47
